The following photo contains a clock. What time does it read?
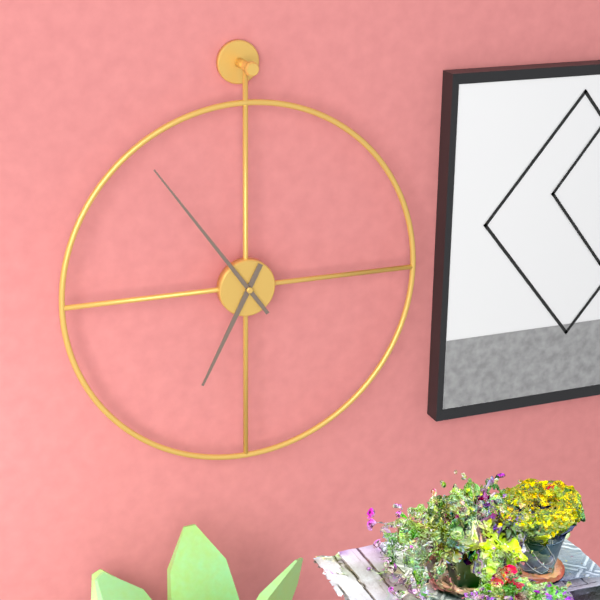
6:54
